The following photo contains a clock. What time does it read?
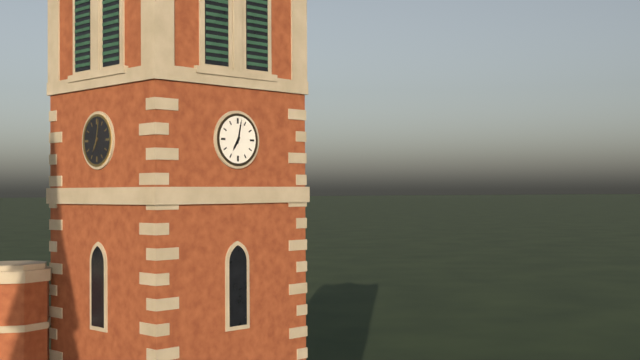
7:02
